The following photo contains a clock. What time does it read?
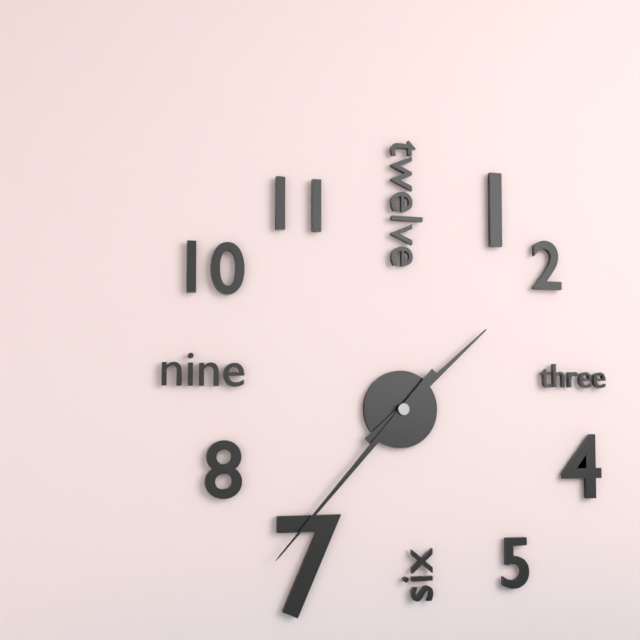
1:37
